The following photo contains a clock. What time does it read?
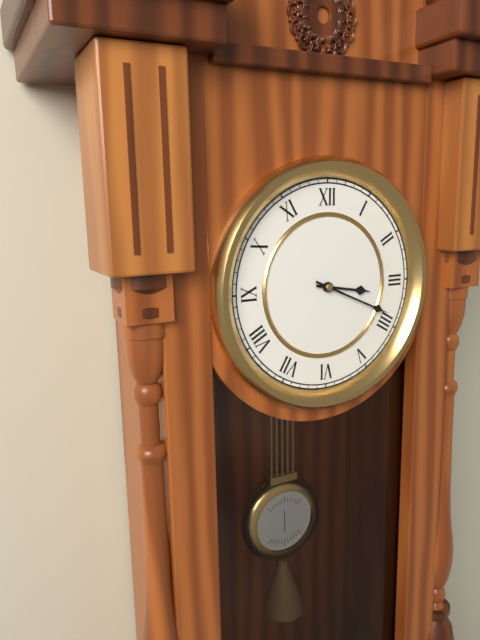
3:19
